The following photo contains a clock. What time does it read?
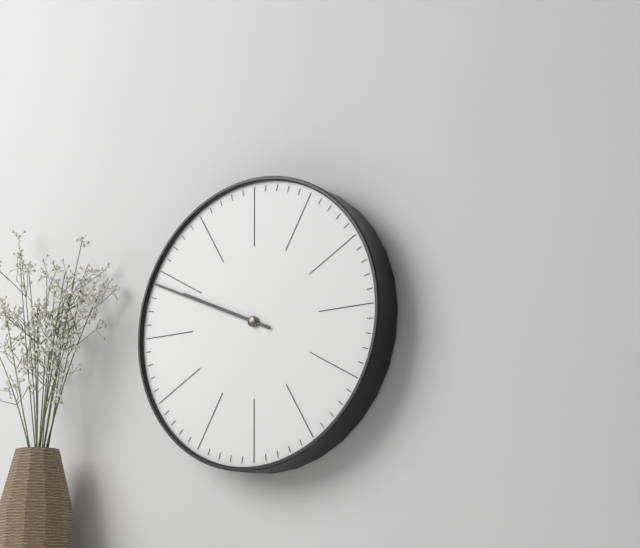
9:49
